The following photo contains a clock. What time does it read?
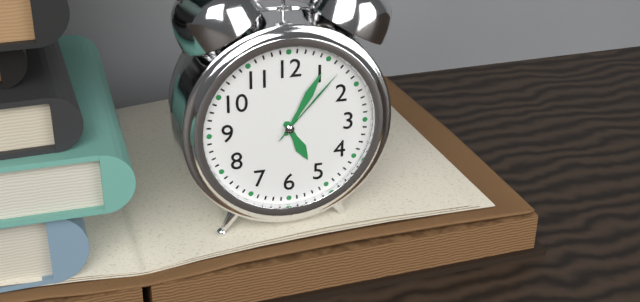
5:05:07
